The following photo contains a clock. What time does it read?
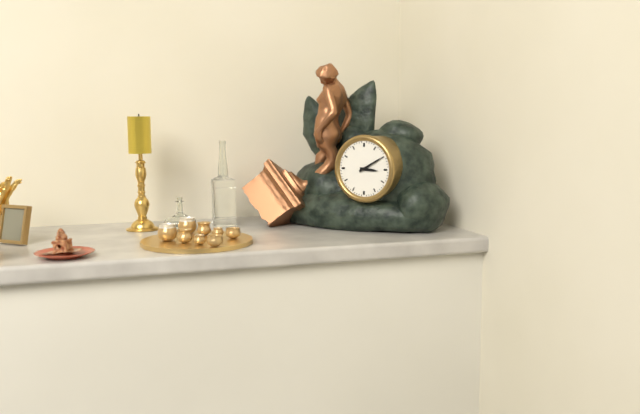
3:10
